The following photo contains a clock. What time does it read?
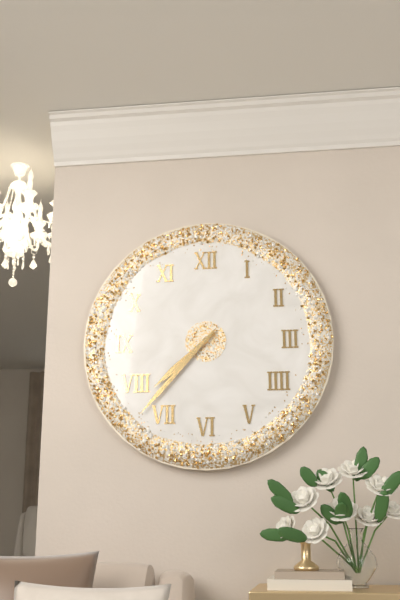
7:37
